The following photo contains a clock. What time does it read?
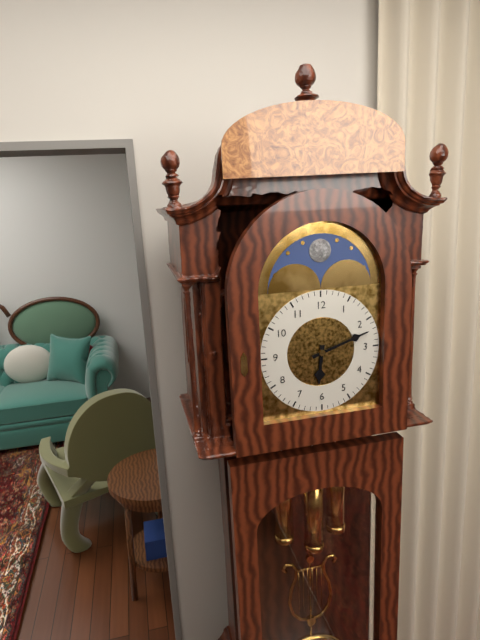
6:12
